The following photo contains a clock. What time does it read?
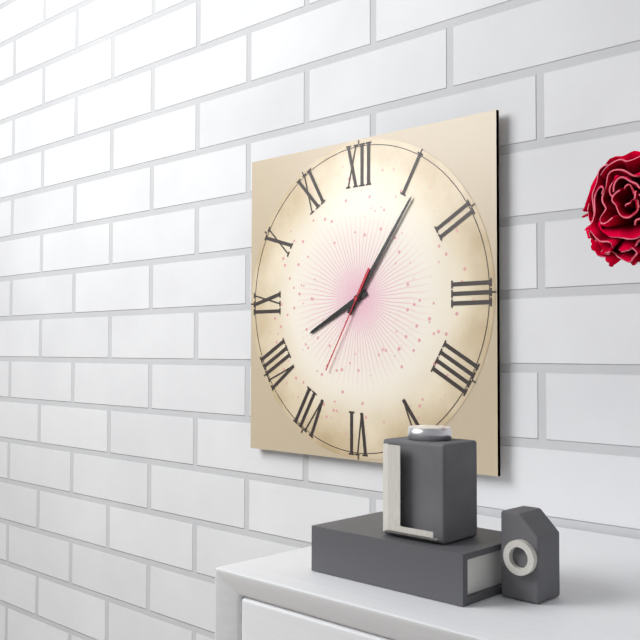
8:06:35
